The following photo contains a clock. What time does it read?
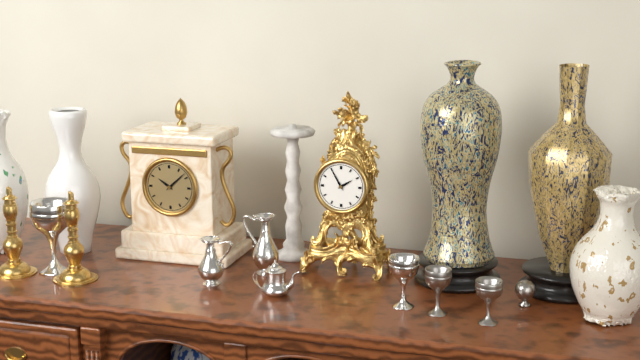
1:55
